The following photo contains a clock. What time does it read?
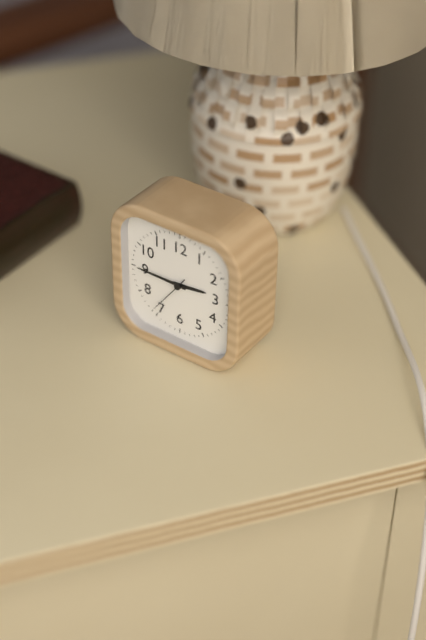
2:45
